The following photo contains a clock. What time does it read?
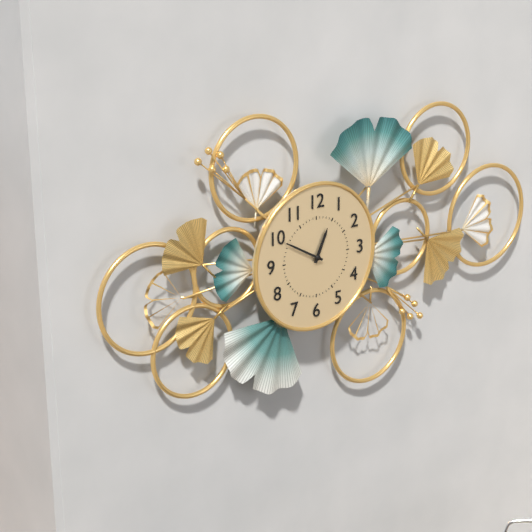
12:50
